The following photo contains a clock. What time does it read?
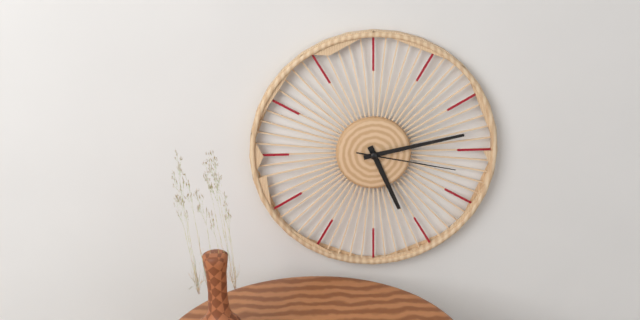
5:13:17
